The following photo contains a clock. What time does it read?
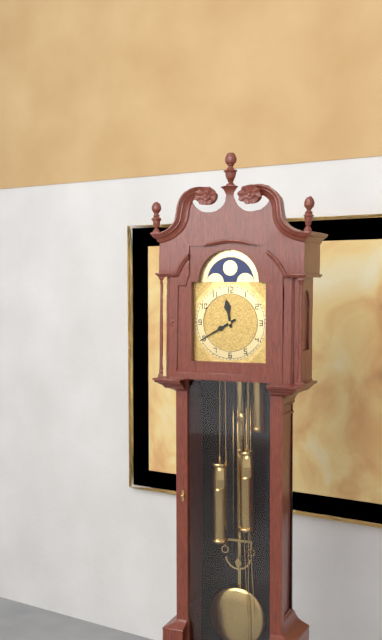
11:40
